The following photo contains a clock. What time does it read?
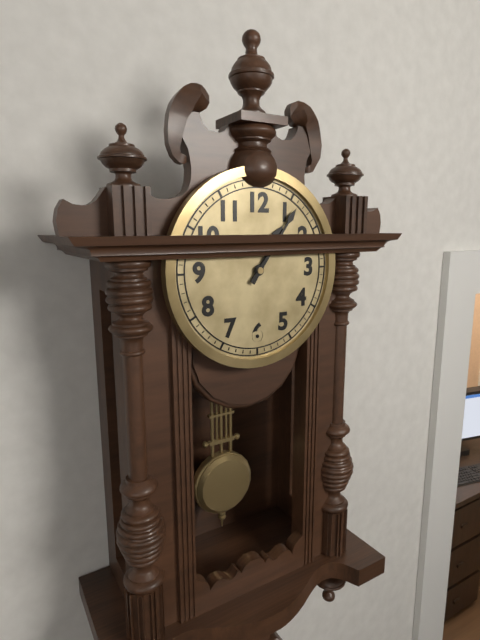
1:06
